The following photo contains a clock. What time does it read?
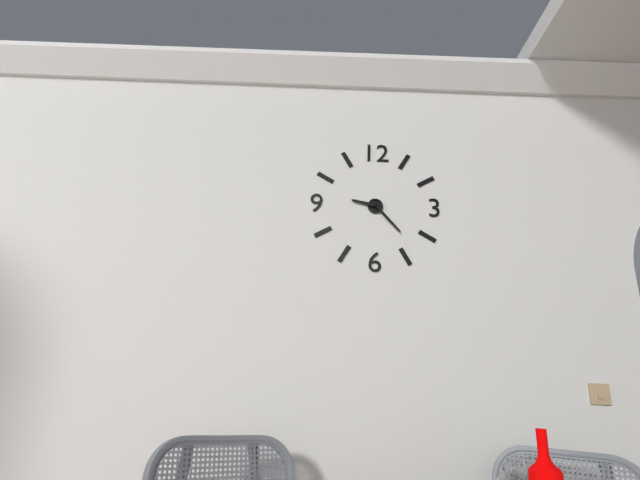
9:23
